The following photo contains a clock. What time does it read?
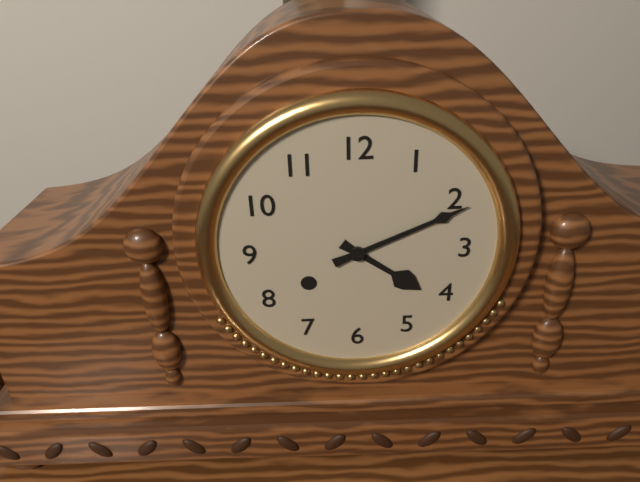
4:11
